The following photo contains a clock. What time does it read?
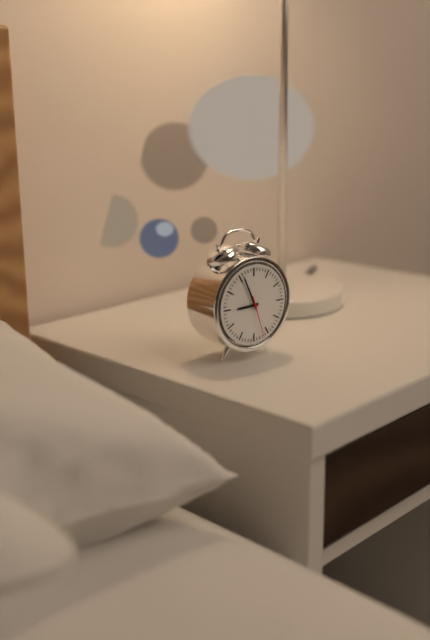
8:56
